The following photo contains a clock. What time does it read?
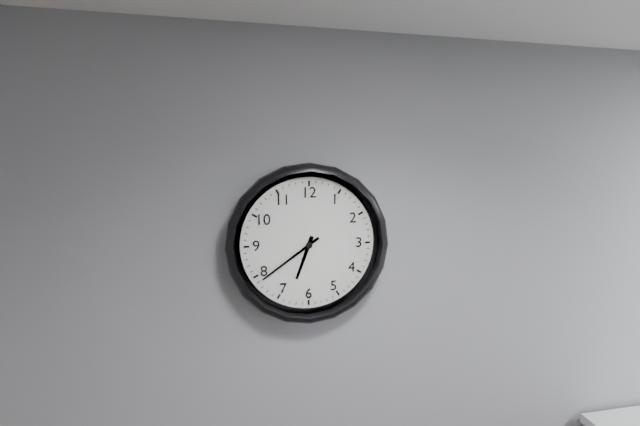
6:39
